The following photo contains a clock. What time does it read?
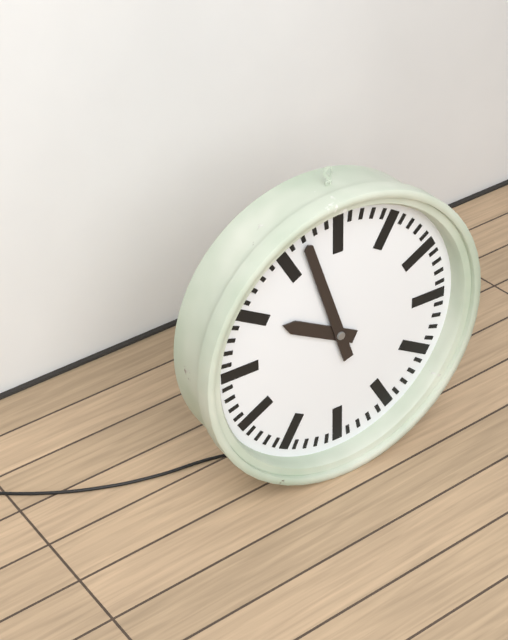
9:57
